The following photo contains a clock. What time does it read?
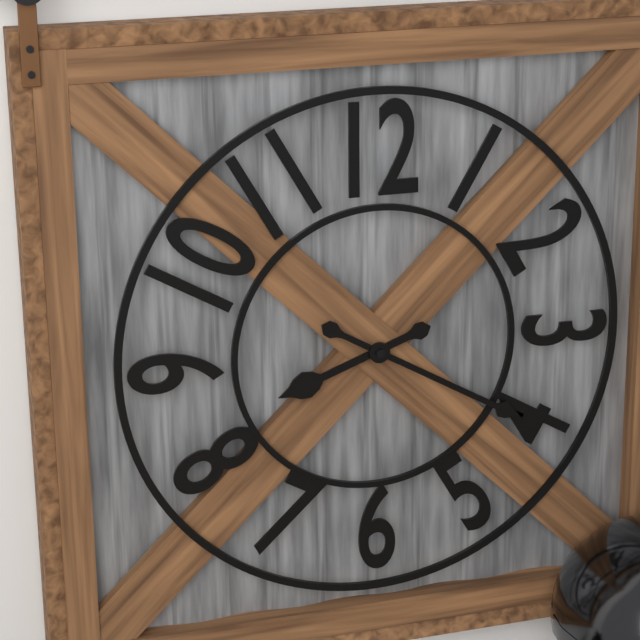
8:20
